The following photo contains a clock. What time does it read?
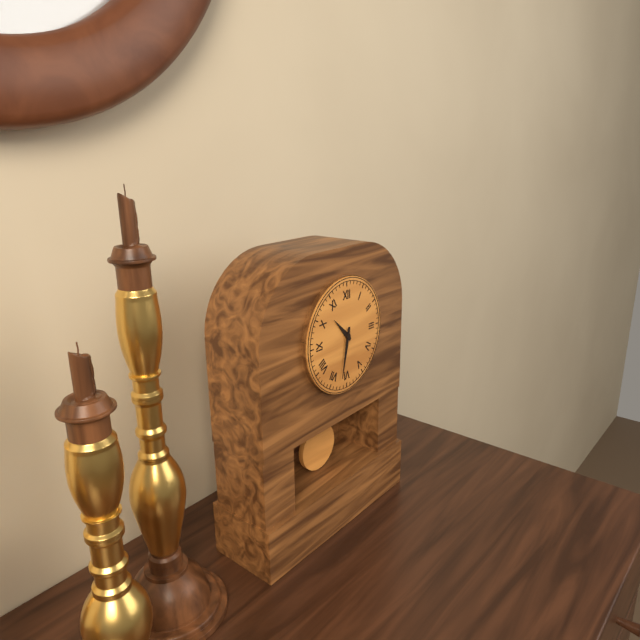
10:32
